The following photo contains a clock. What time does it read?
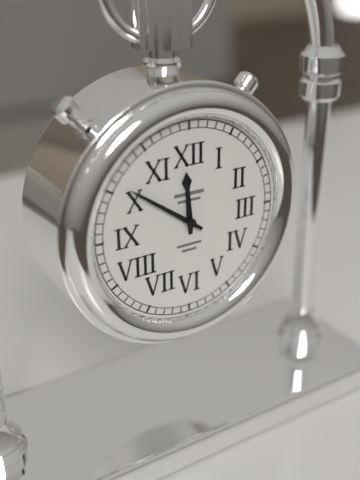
11:51
